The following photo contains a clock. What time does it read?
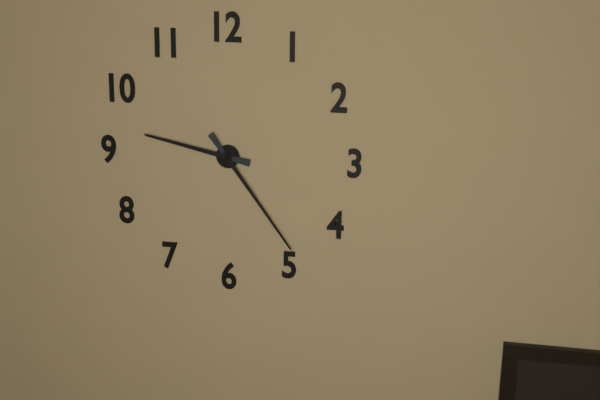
9:24
